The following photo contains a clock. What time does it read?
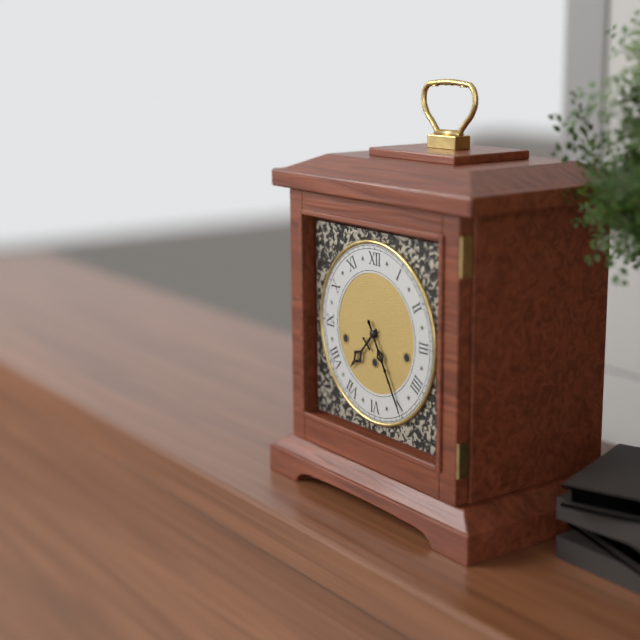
7:25
